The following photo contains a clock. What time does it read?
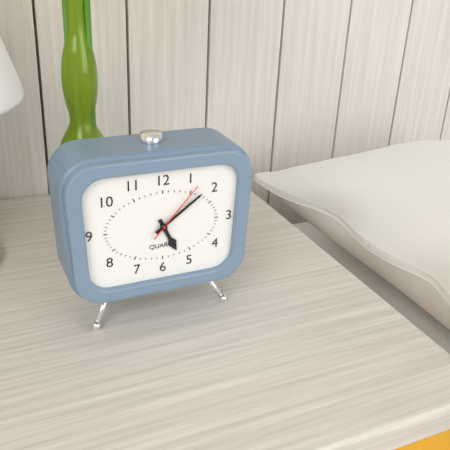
5:09:07
